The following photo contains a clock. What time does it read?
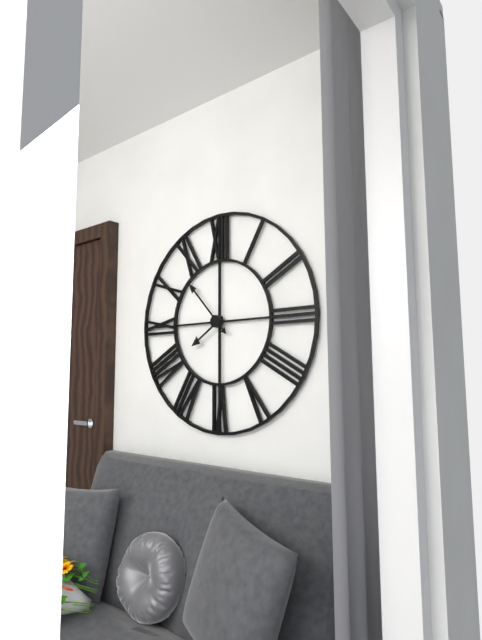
7:53
